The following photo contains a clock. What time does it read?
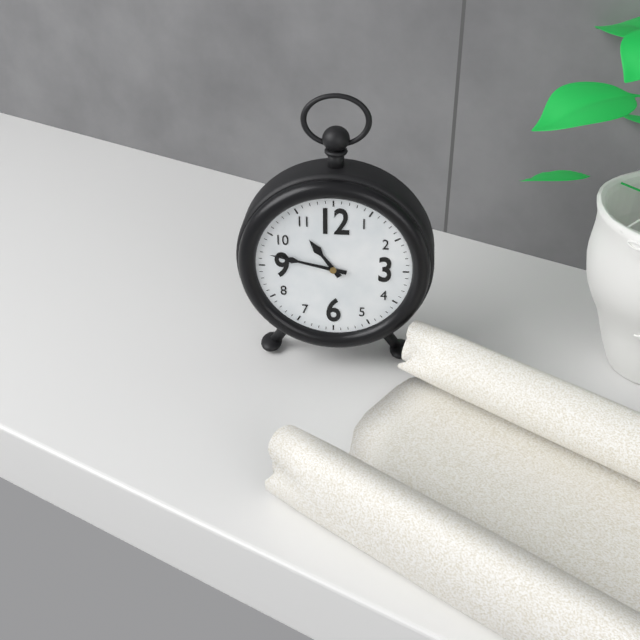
10:47
